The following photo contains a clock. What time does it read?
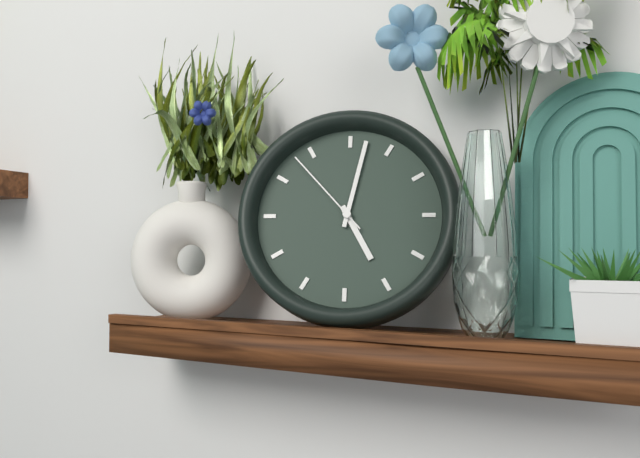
5:02:53
